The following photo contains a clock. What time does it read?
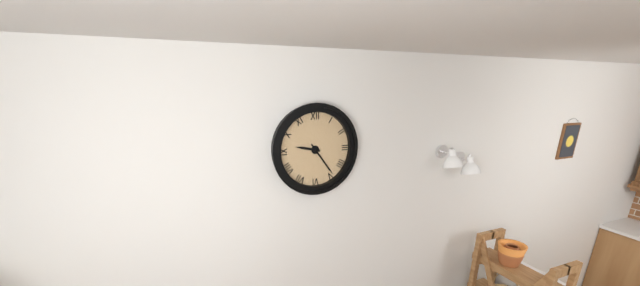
9:24
